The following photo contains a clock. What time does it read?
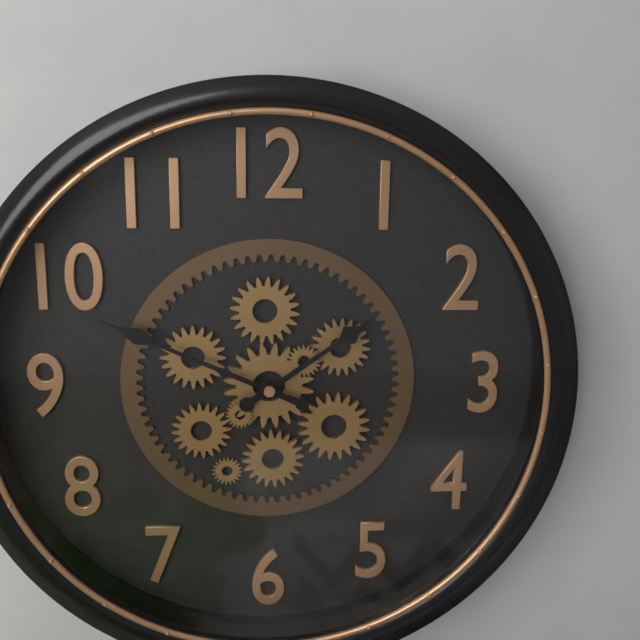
1:49
